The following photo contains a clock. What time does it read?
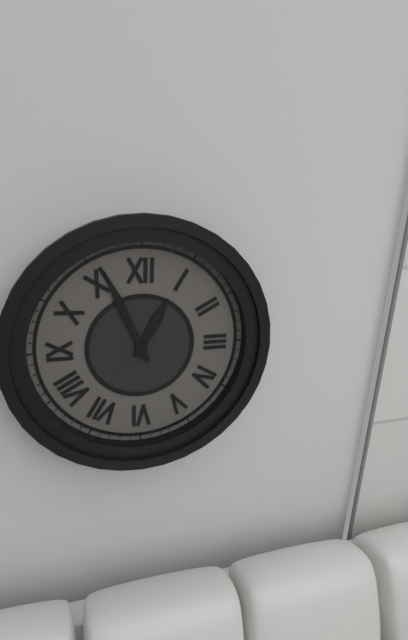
12:56
